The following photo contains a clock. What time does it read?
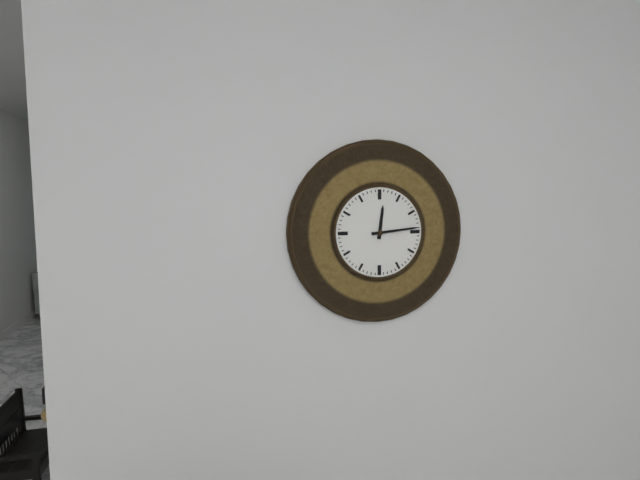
12:14
